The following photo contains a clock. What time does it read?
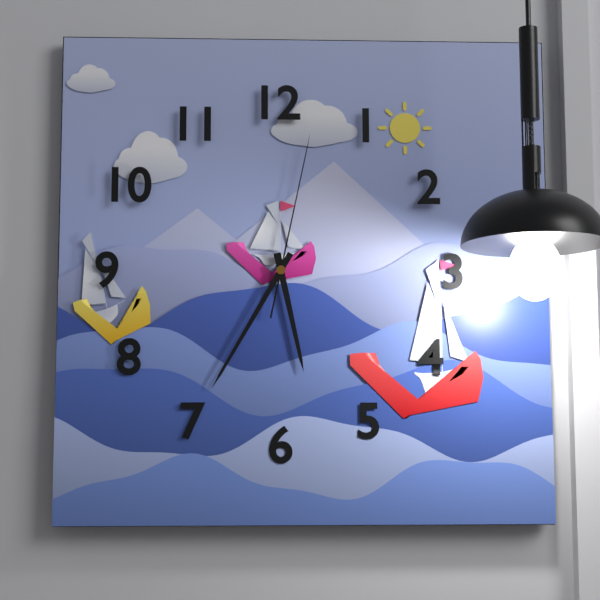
5:35:02
